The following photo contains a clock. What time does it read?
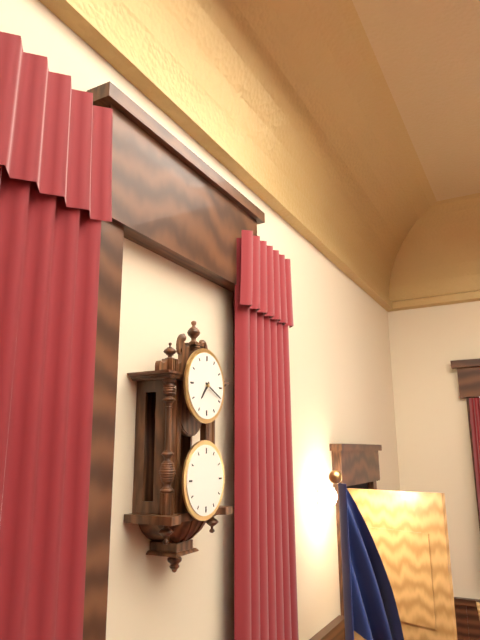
7:19
